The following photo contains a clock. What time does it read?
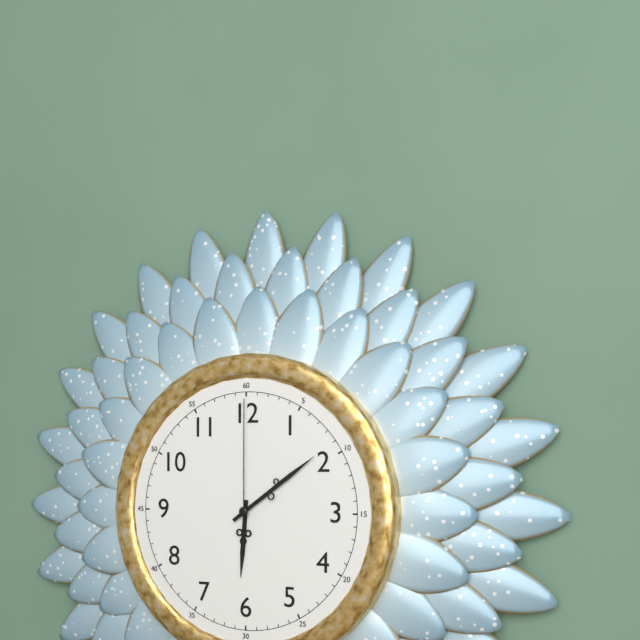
6:09:00
